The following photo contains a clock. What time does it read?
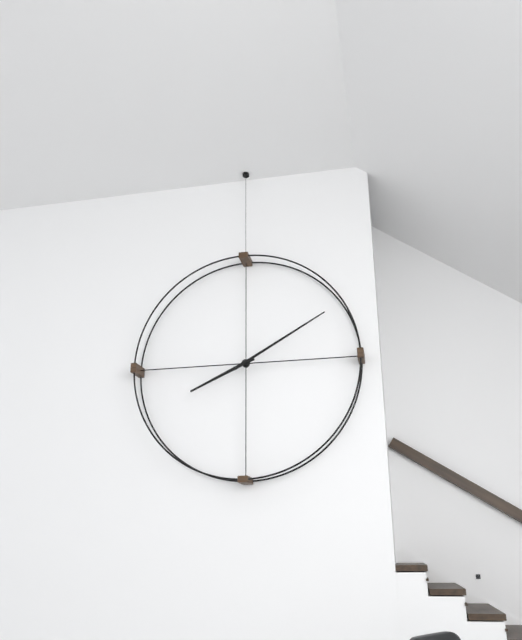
8:10
